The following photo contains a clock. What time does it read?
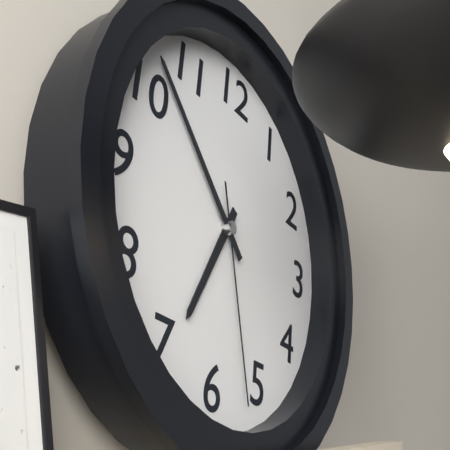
6:52:27
